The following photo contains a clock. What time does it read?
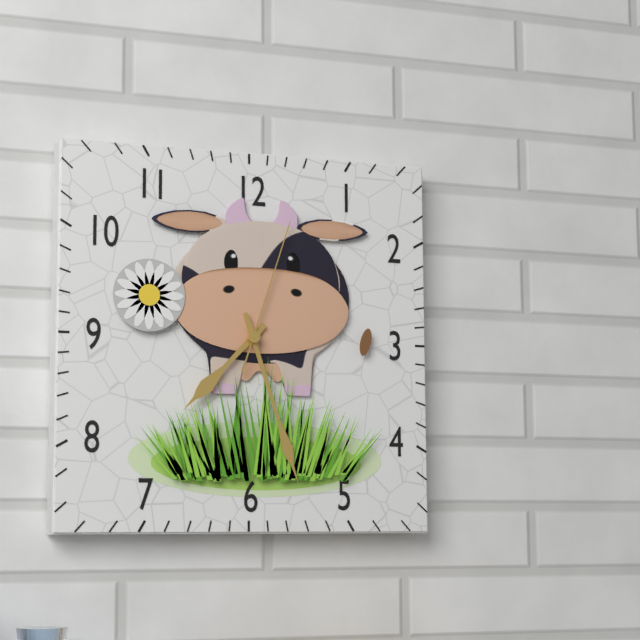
7:27:03
